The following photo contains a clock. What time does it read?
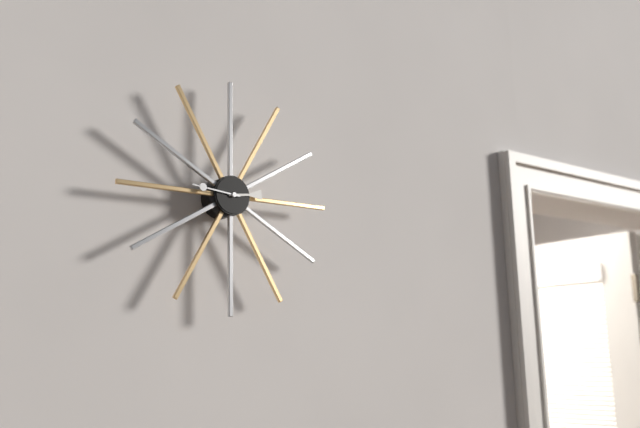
2:46
